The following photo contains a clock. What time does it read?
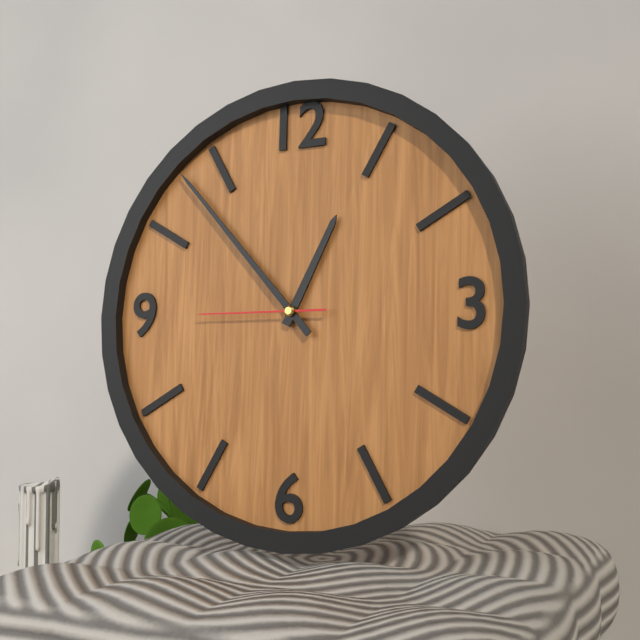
12:53:45
